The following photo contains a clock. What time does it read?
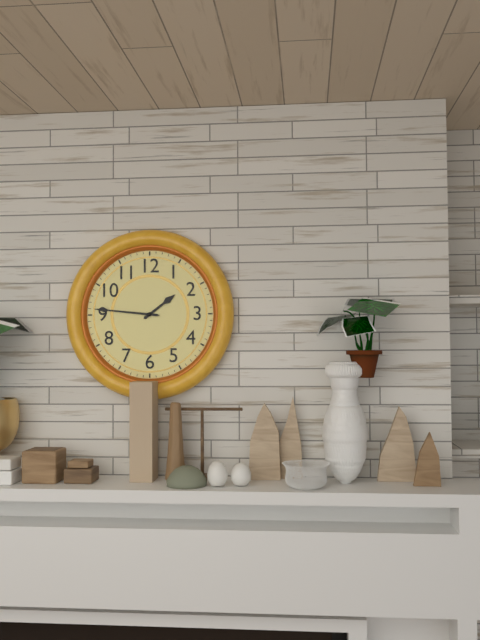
1:46
